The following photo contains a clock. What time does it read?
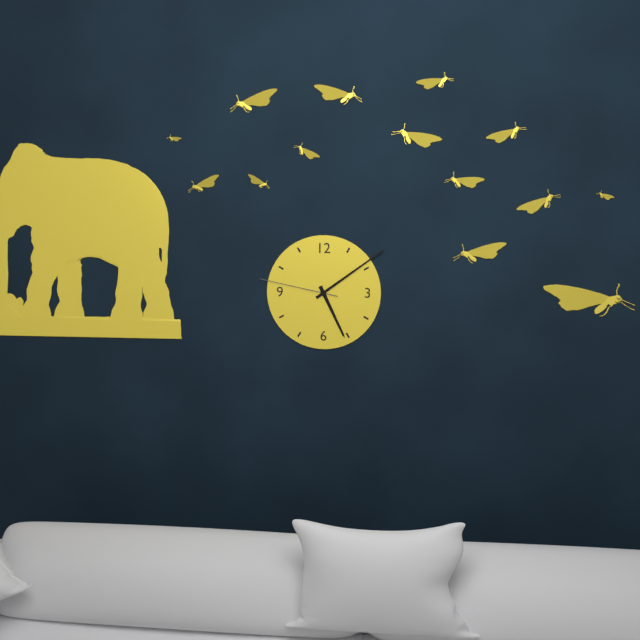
5:09:47
